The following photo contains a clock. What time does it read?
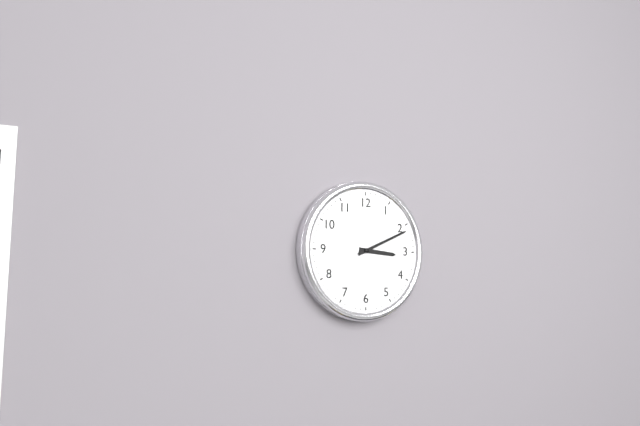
3:11
